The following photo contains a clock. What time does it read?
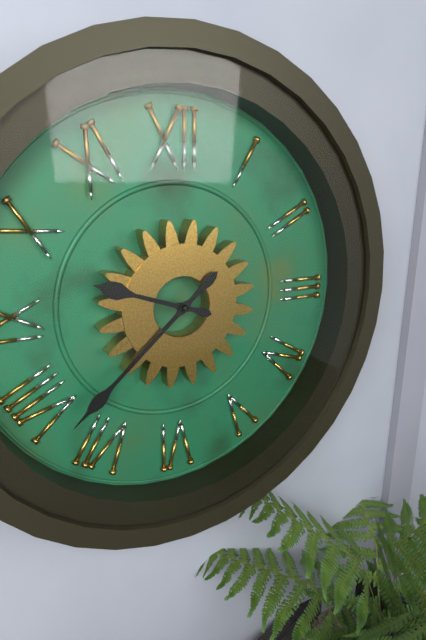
9:38
